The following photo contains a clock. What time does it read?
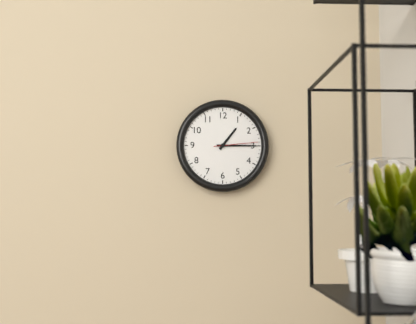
1:15
